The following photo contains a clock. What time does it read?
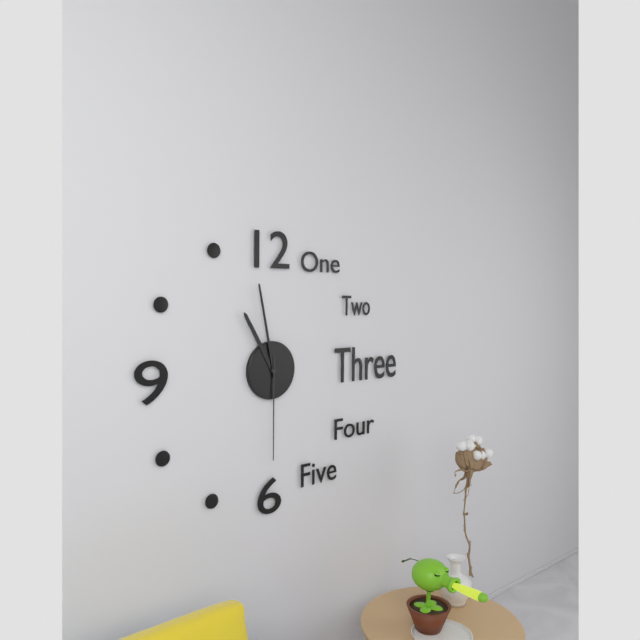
10:58:30
